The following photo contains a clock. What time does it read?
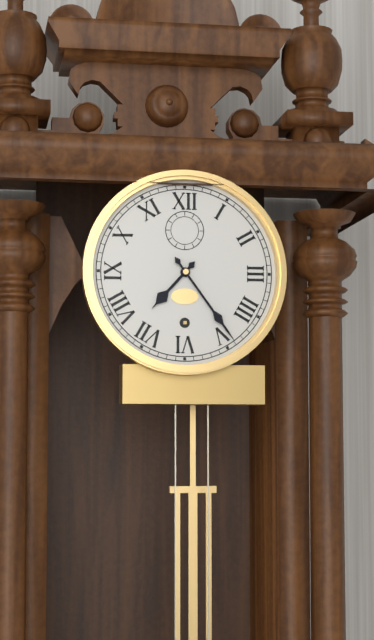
7:24
